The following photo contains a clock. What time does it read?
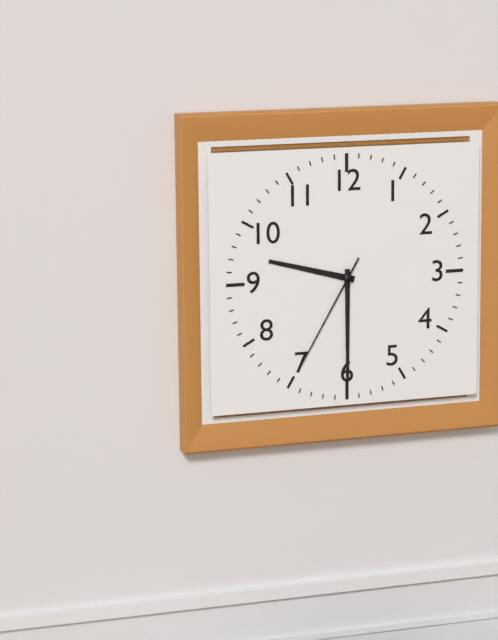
9:30:35
